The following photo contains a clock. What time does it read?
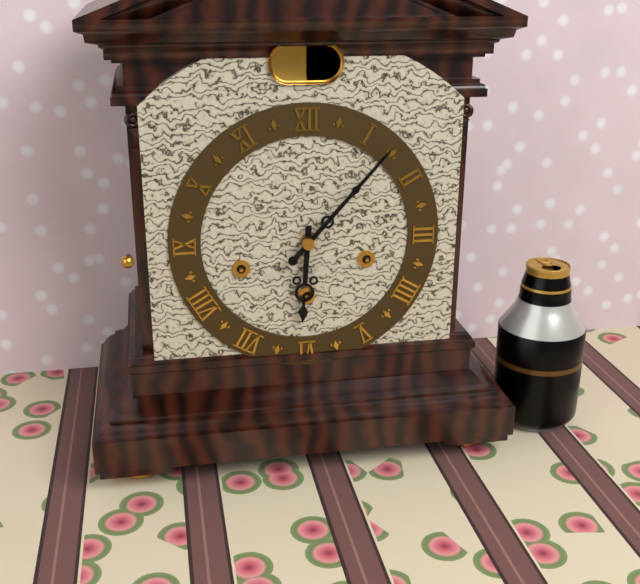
6:07
